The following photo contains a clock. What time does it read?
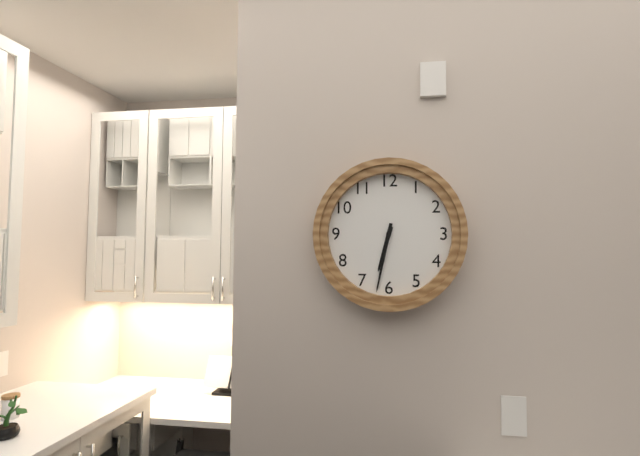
6:32
